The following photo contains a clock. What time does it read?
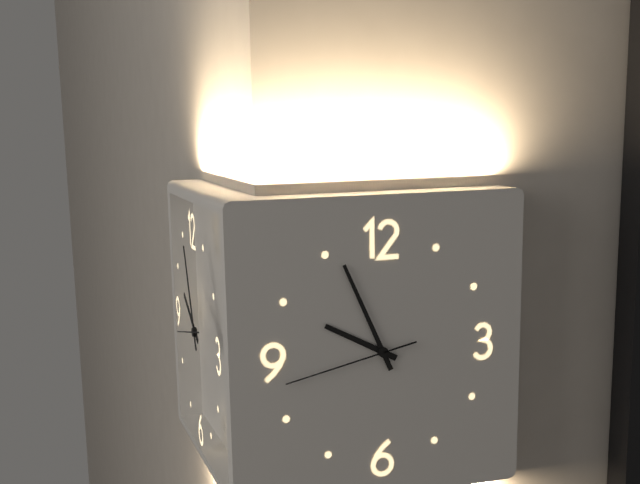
9:56:43
